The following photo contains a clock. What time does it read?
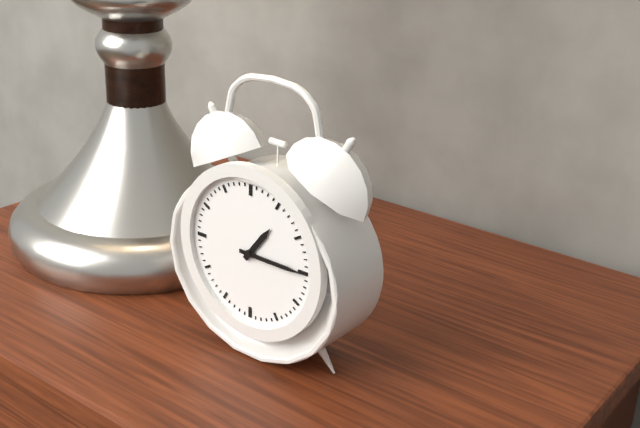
1:15
